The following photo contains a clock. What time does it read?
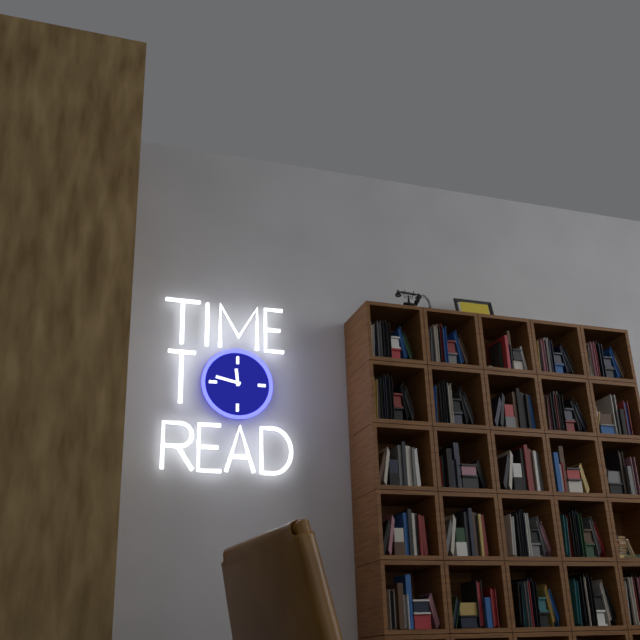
11:47
